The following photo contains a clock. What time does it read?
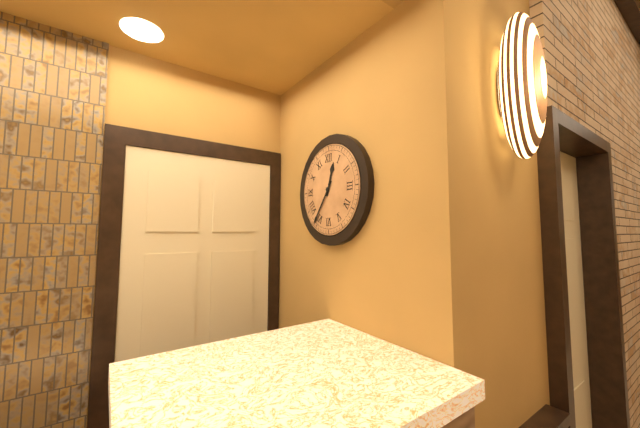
12:36
